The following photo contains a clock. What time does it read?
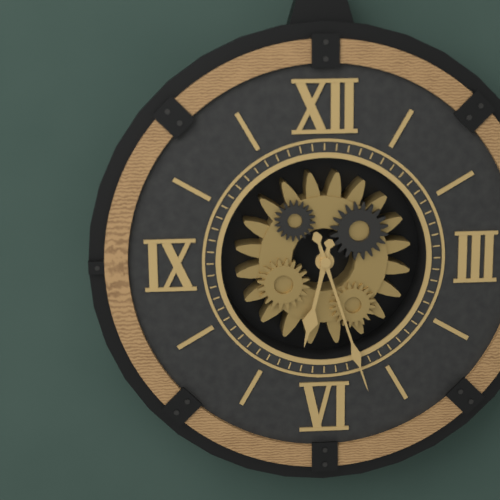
6:27
